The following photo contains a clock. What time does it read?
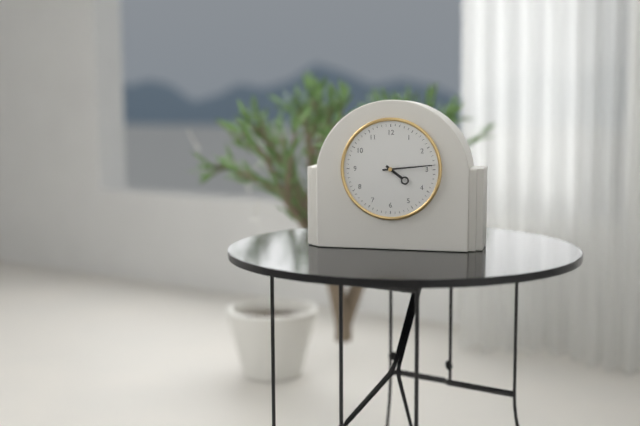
4:14
